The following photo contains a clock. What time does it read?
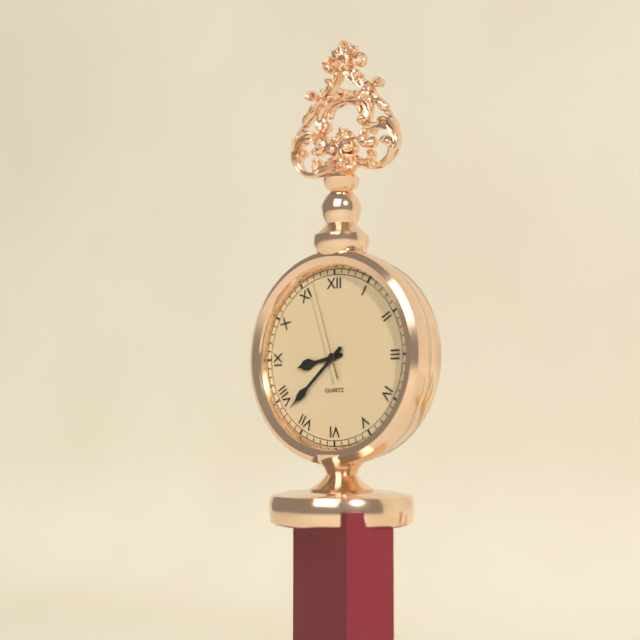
8:38:57
